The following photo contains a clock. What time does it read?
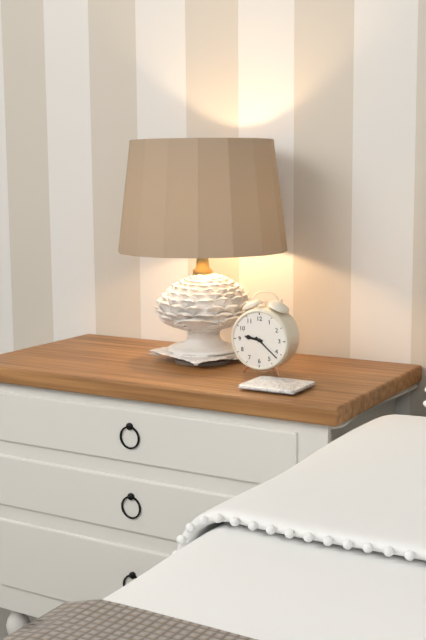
9:22
